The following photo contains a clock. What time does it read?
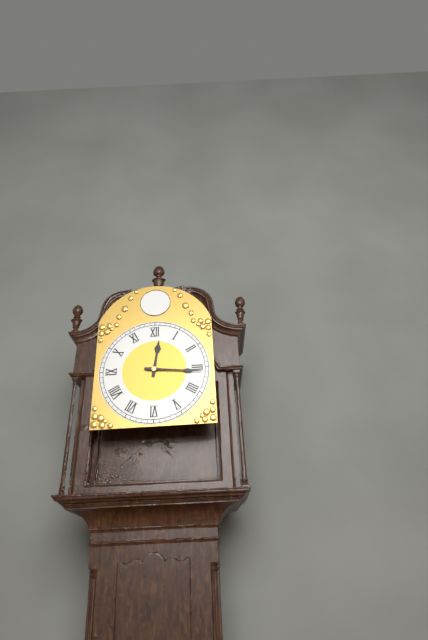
12:16
